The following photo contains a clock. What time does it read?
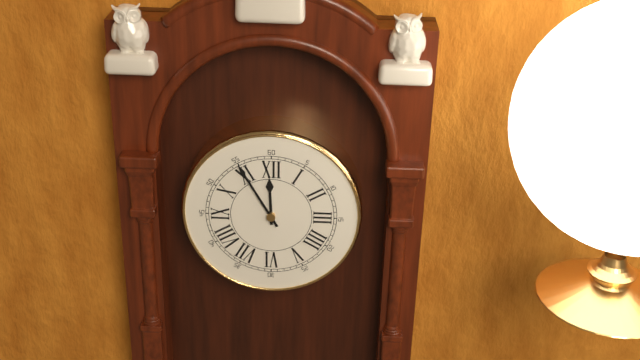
11:55
